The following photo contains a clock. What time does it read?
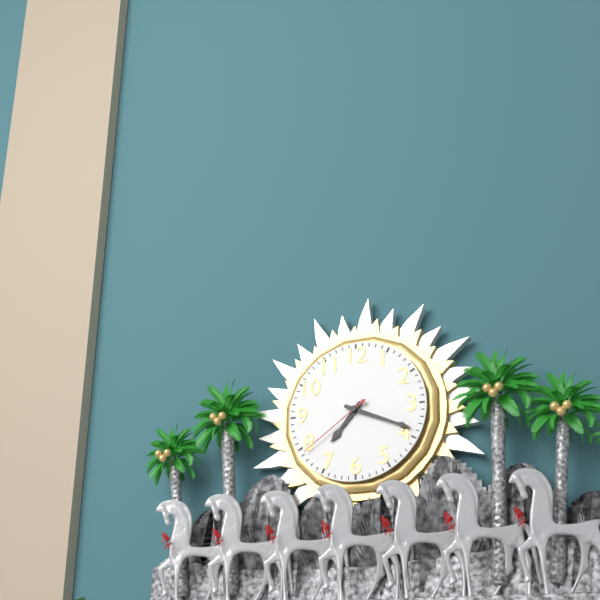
7:19:39
